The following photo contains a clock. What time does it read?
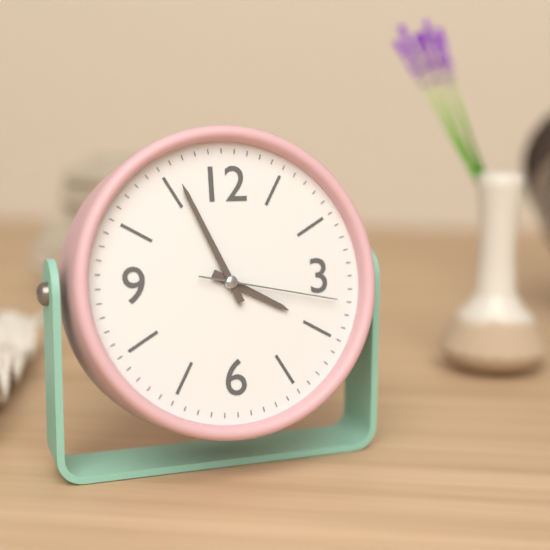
3:56:17
